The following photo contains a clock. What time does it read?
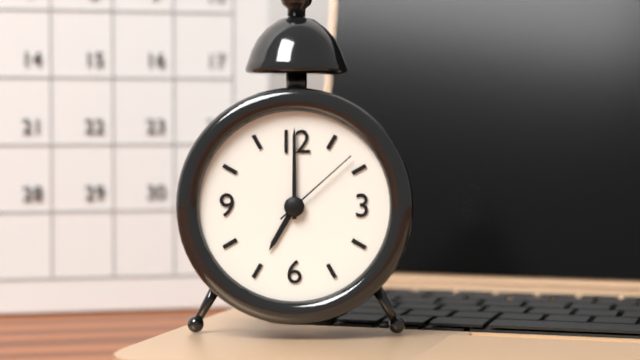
7:00:08
